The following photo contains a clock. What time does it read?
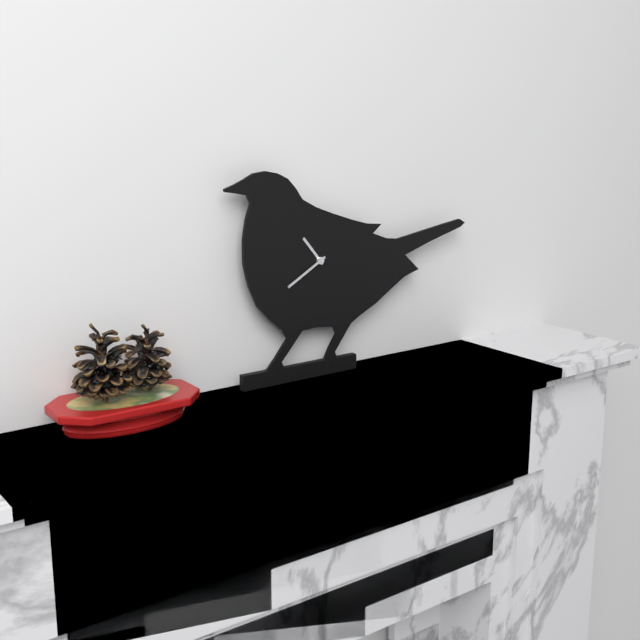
10:40
